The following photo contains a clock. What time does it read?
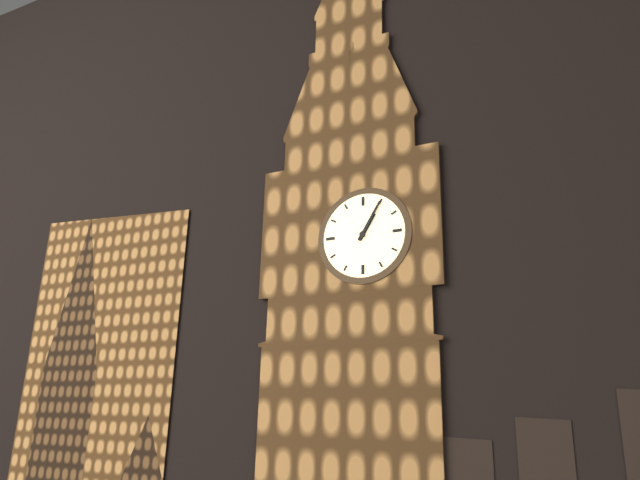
1:05
